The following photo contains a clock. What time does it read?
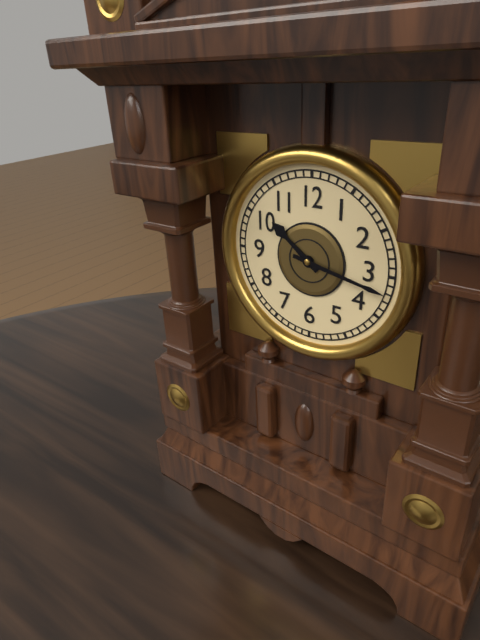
10:17
